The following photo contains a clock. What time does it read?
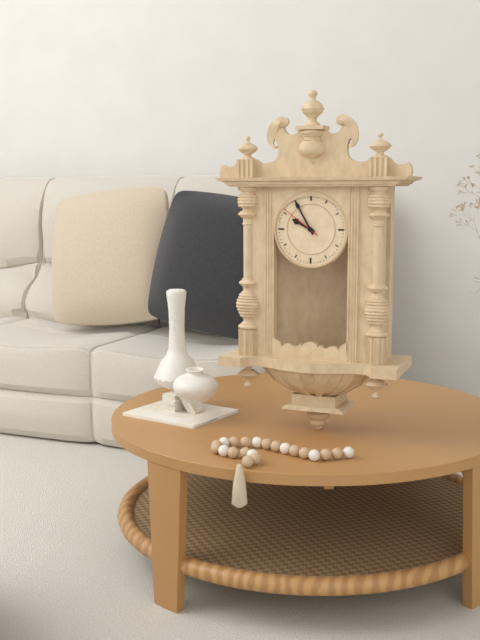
9:55
